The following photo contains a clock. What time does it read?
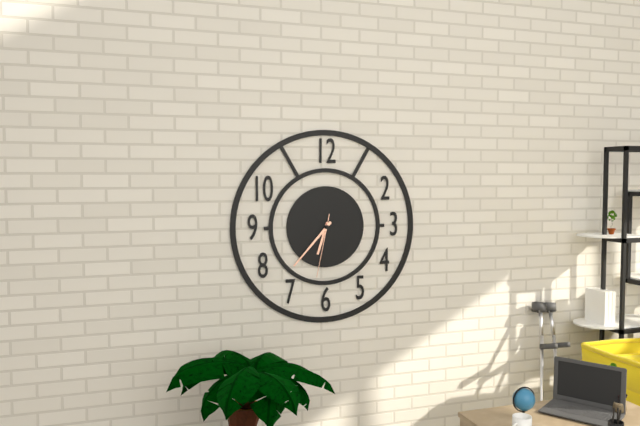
6:37:32
